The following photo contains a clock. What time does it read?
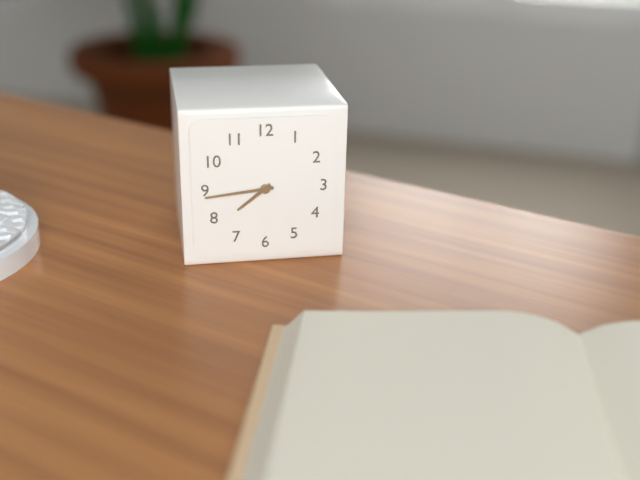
7:44
